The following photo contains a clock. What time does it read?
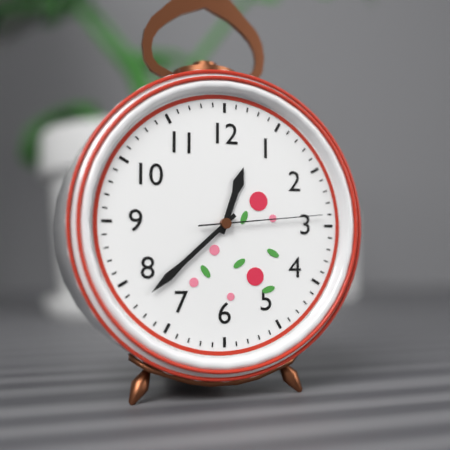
12:38:14
